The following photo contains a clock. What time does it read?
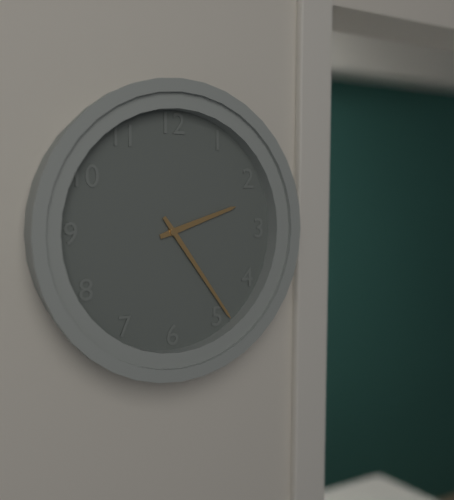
2:24
